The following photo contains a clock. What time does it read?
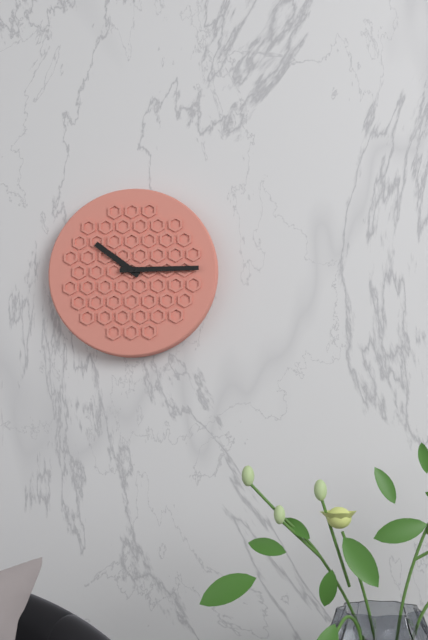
10:15
